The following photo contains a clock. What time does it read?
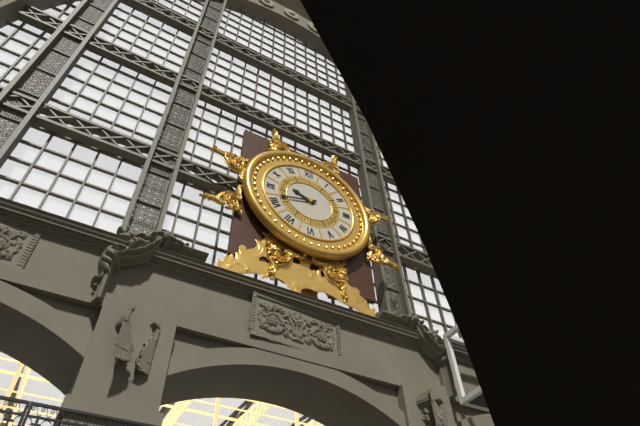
9:42
